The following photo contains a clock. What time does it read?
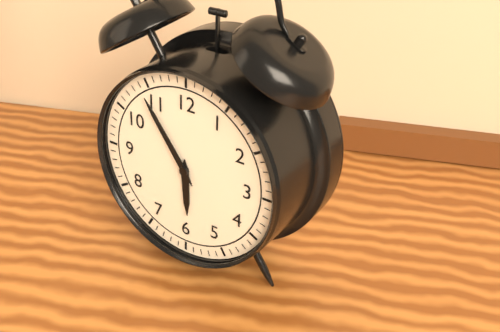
5:54
